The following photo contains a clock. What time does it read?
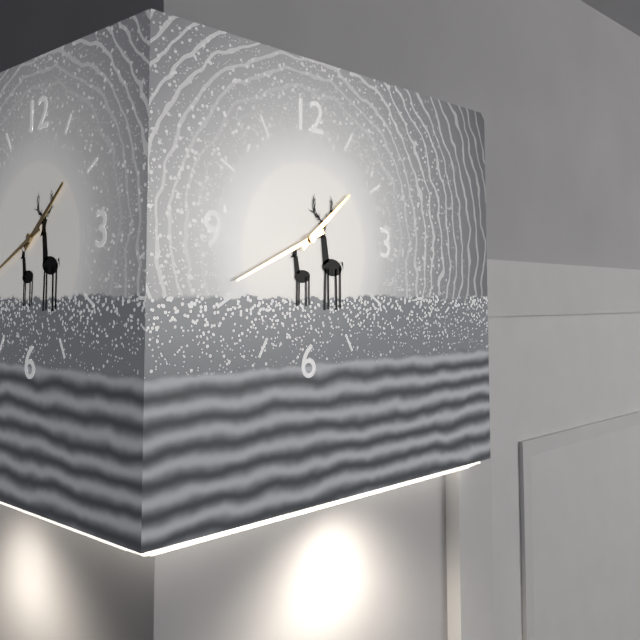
1:41
